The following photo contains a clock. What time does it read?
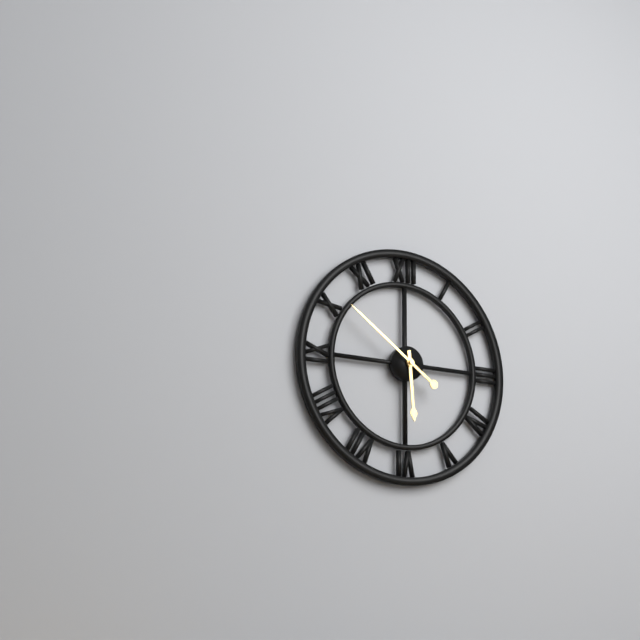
5:51
